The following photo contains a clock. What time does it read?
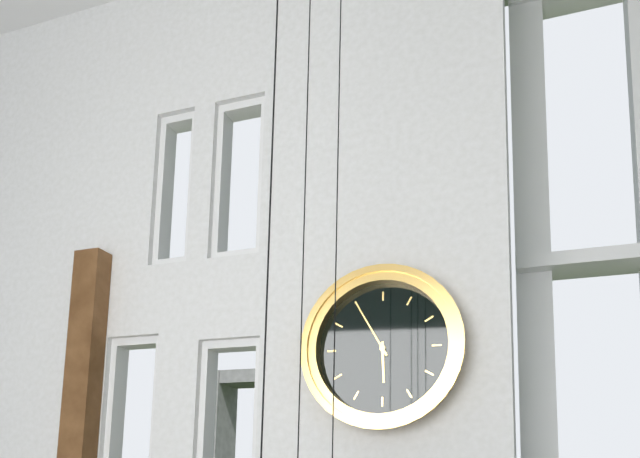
5:55
